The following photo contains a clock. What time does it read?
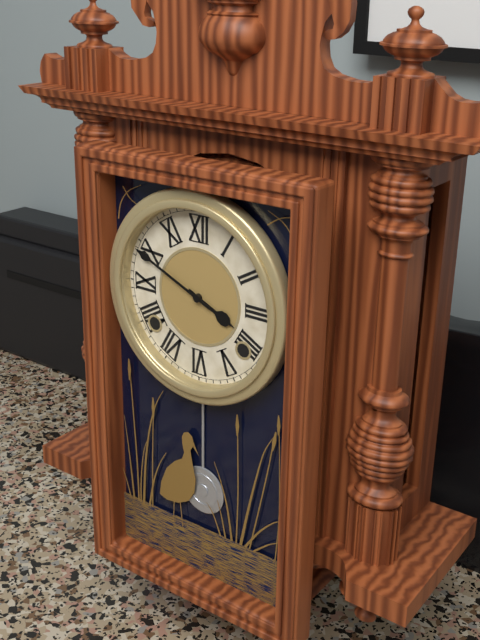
3:49
